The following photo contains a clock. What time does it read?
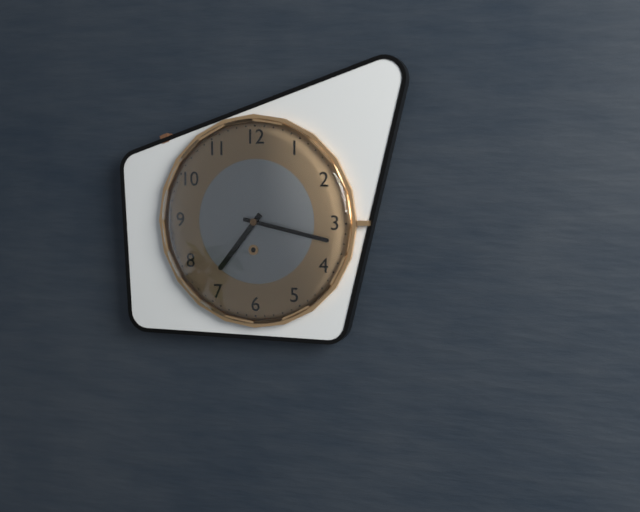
7:17
